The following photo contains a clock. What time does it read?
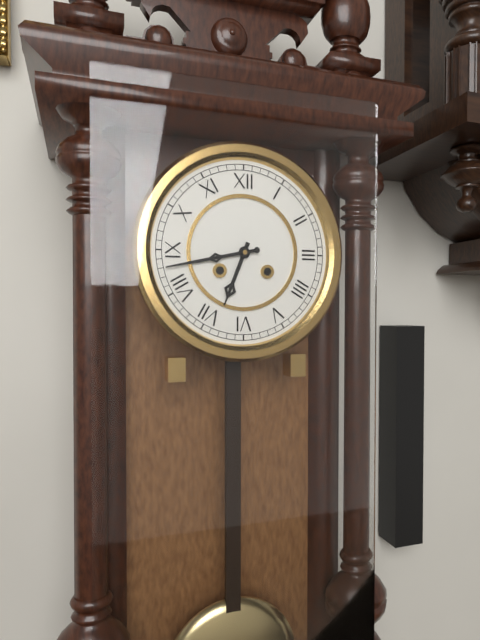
6:43
